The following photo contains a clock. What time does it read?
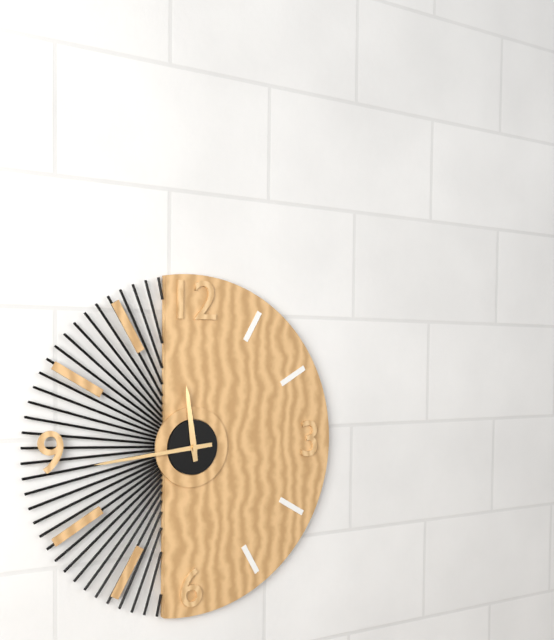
11:44
